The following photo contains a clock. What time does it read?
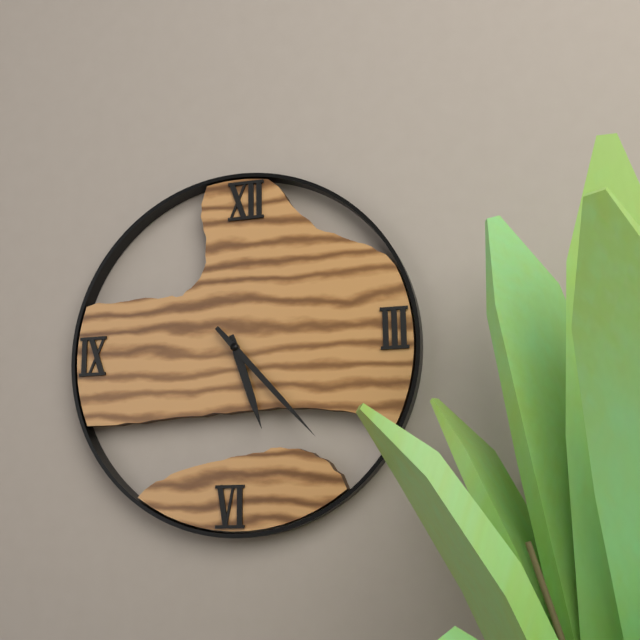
5:23
